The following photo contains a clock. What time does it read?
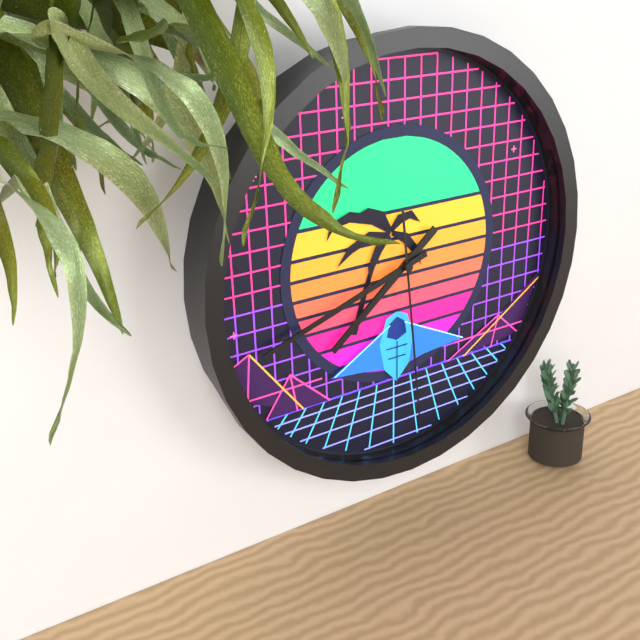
7:42:29
